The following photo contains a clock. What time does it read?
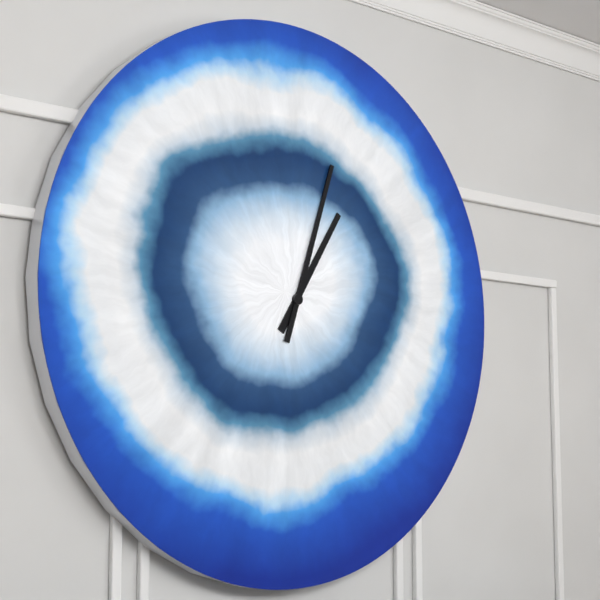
1:03
